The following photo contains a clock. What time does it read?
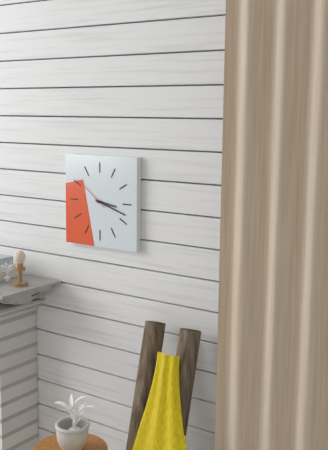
3:18
